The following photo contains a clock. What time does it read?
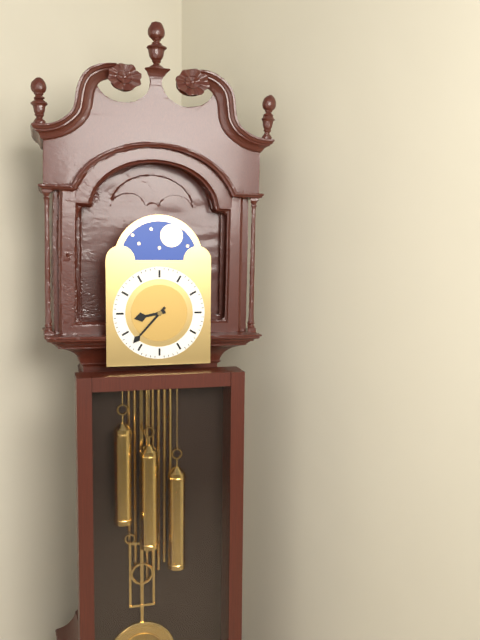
8:37
